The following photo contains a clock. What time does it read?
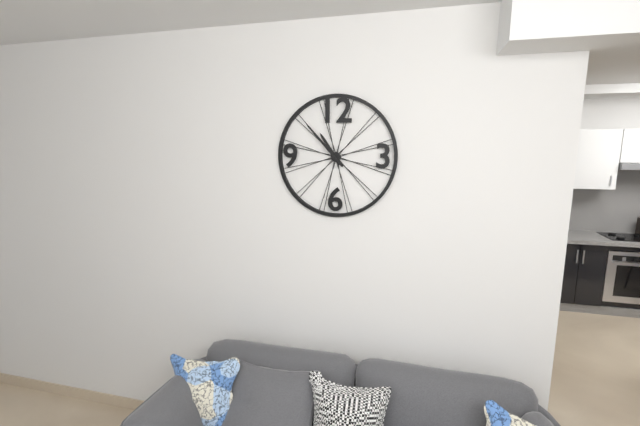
10:53
